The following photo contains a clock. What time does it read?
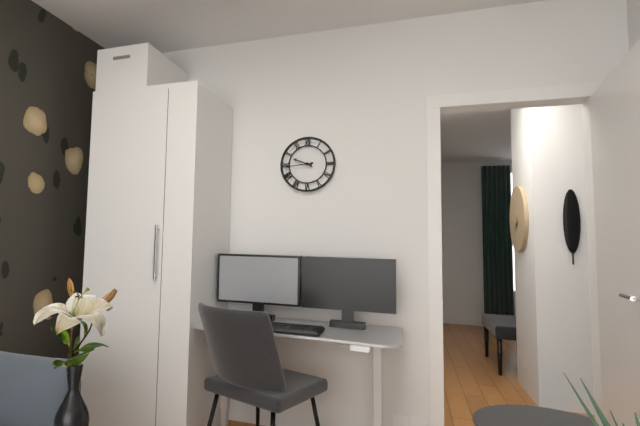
9:44
